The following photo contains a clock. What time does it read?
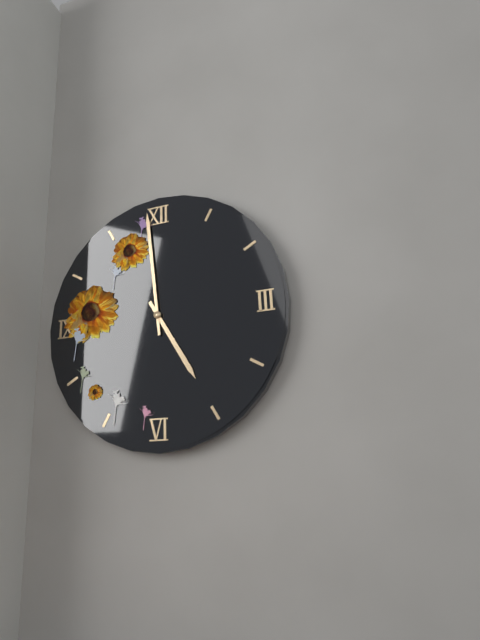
4:59
